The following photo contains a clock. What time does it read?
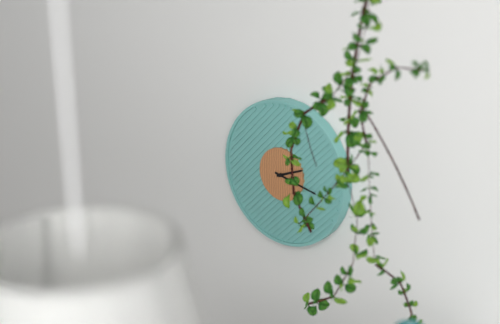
2:17
